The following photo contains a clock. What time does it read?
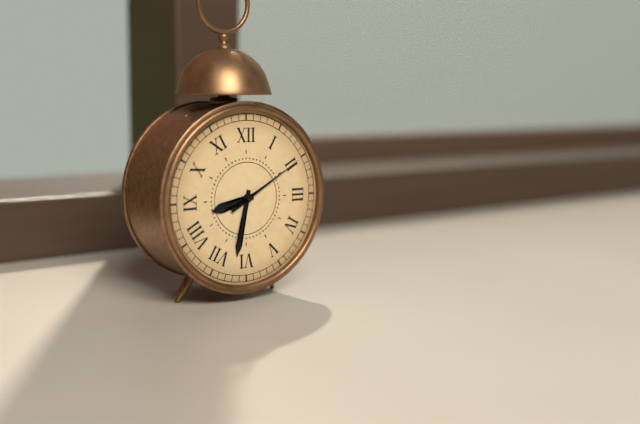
8:32:10
